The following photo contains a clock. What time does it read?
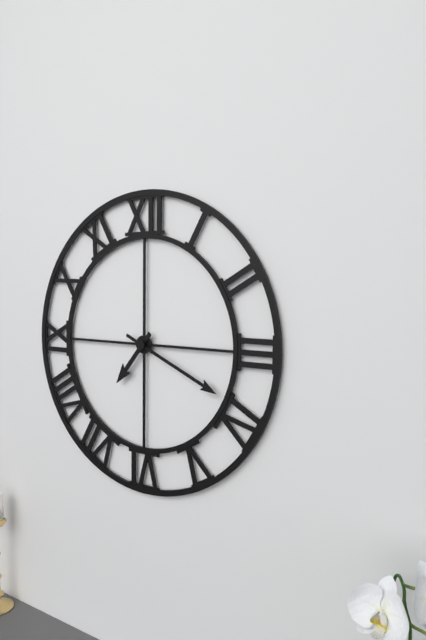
7:19
